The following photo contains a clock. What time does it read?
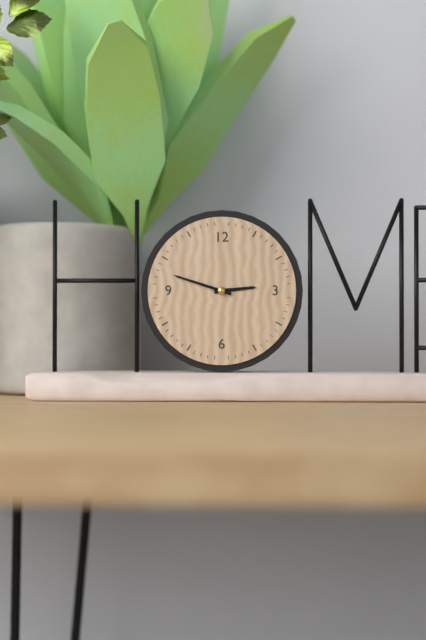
2:48
